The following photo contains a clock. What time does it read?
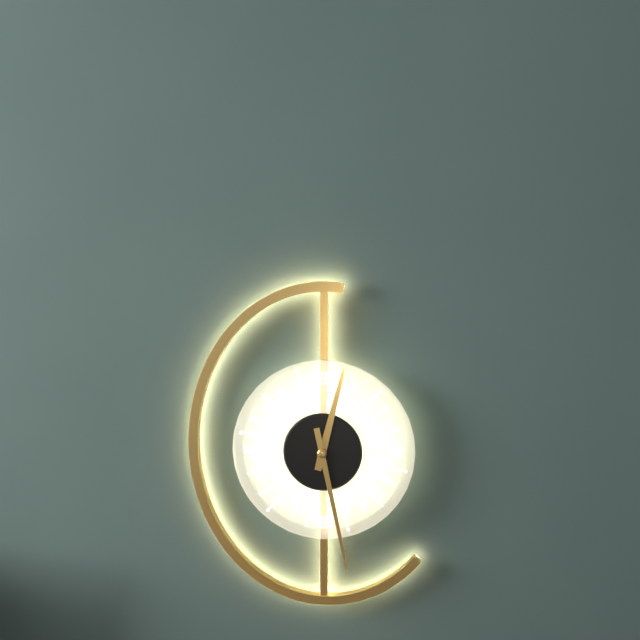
12:28
